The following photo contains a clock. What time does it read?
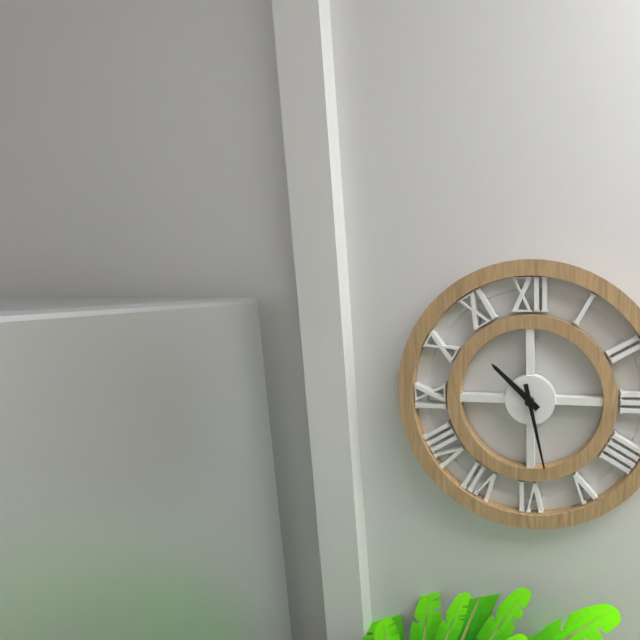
10:28
